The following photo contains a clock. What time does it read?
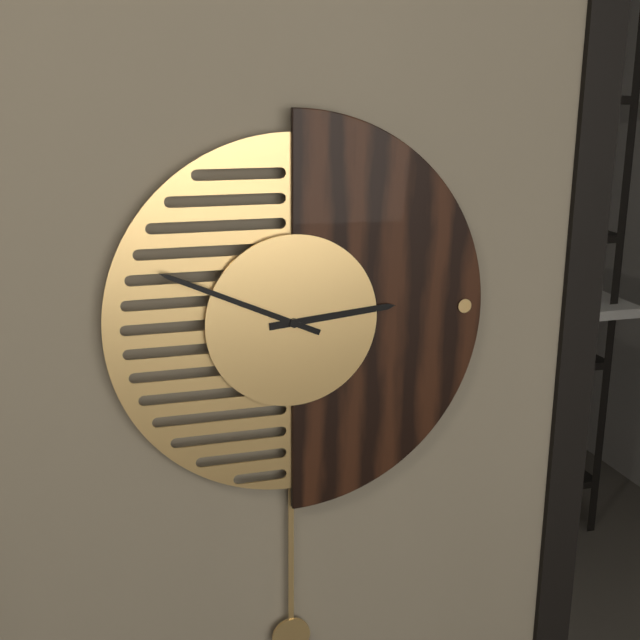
2:49
